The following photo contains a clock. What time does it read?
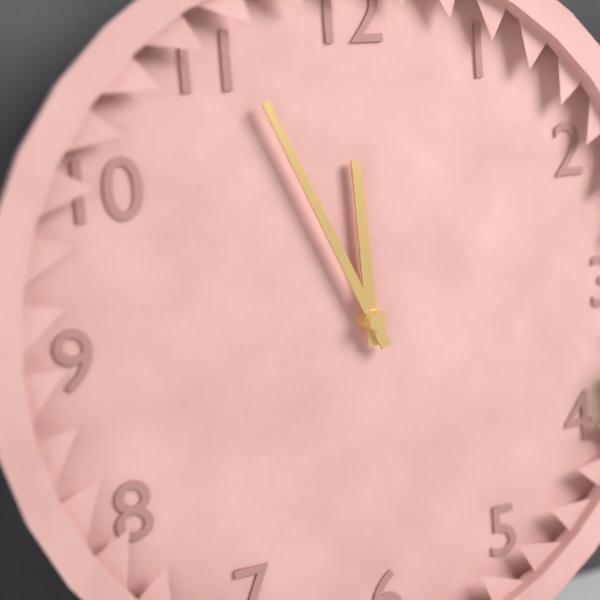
11:56
